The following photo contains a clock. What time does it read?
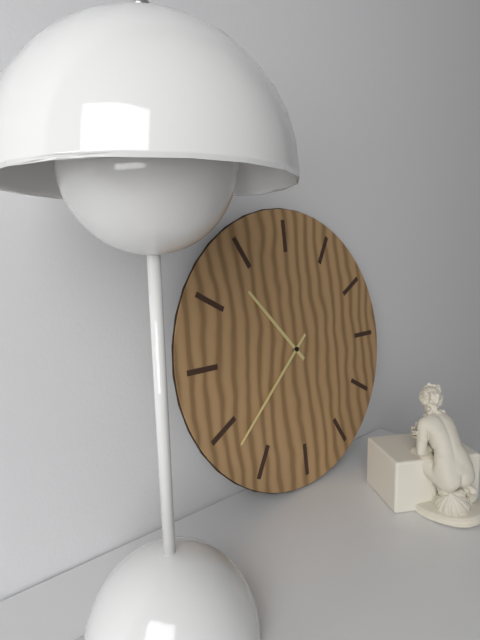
10:38
